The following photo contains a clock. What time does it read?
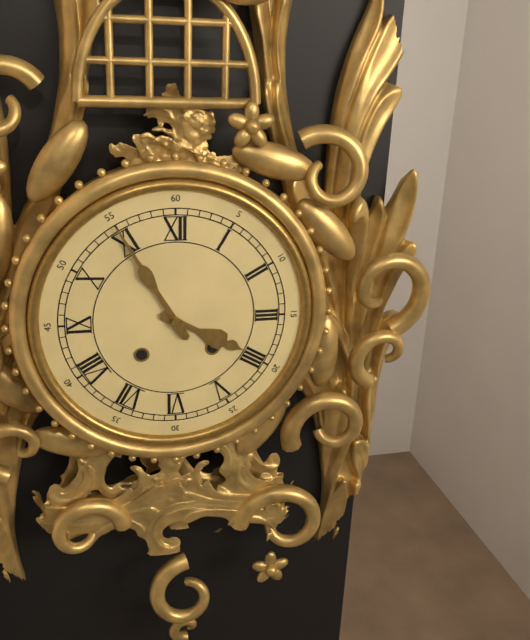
3:55
